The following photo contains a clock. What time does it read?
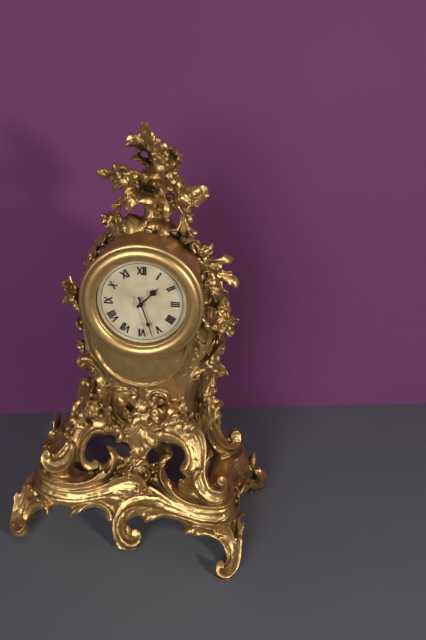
1:27
